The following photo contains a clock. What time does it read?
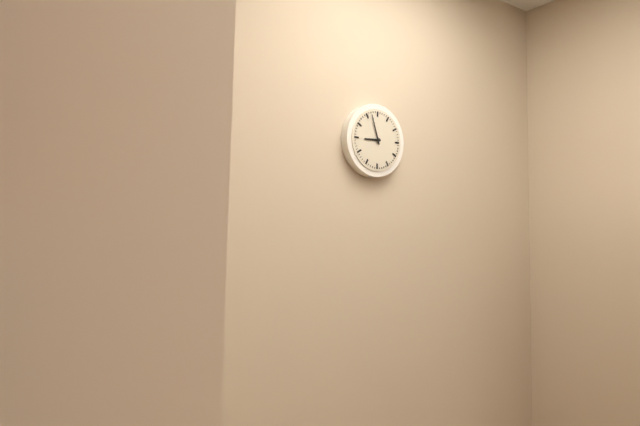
8:57
